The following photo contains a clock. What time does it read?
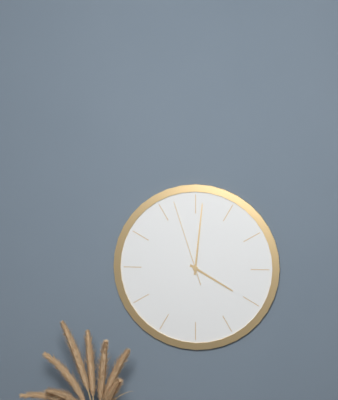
4:01:57
